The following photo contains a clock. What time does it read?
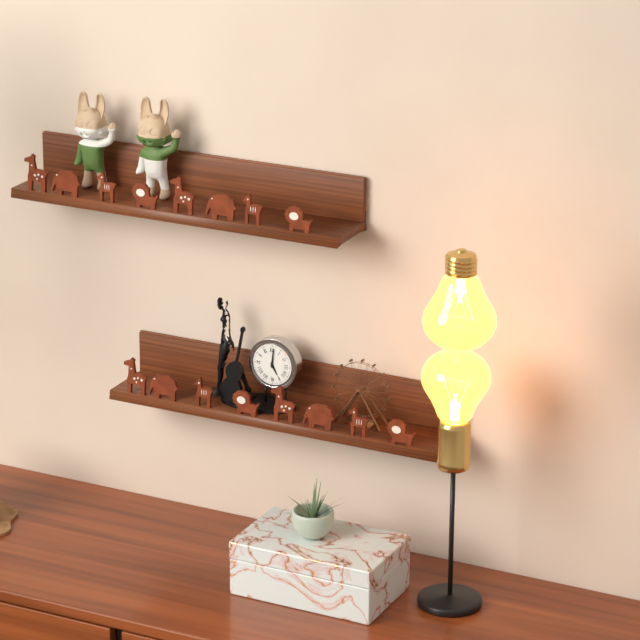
5:01
